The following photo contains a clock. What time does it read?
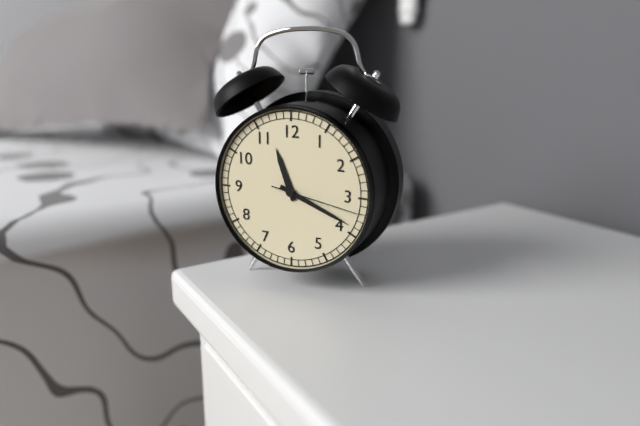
11:19:17
